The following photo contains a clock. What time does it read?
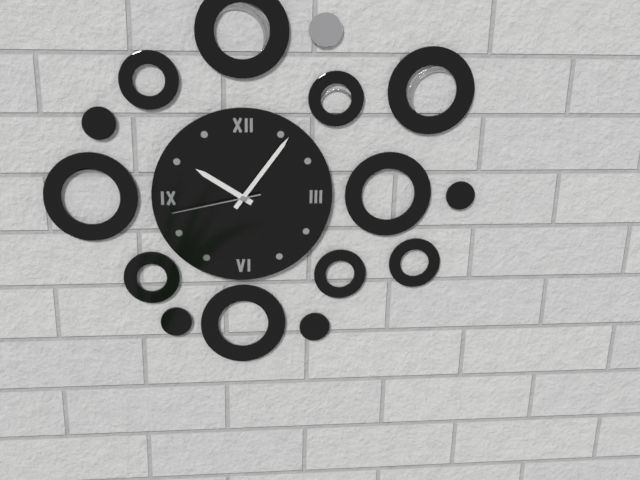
10:06:43
